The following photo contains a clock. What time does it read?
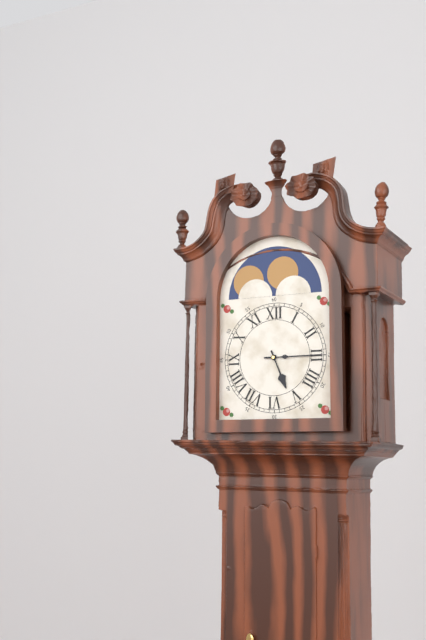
5:15
